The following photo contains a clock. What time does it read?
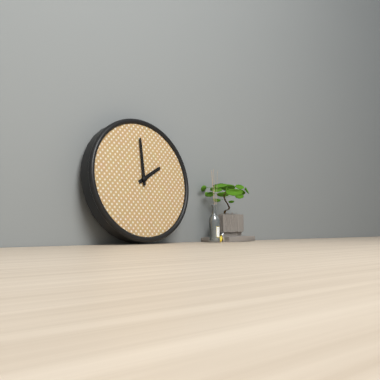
2:00
